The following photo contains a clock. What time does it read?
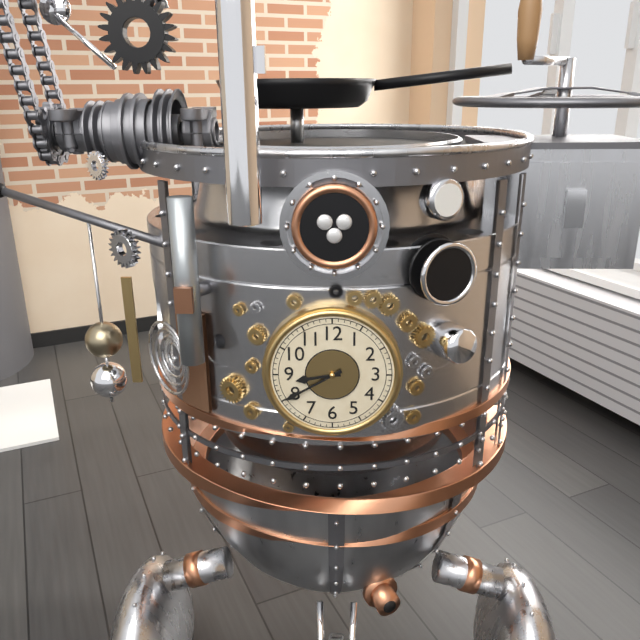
8:40
